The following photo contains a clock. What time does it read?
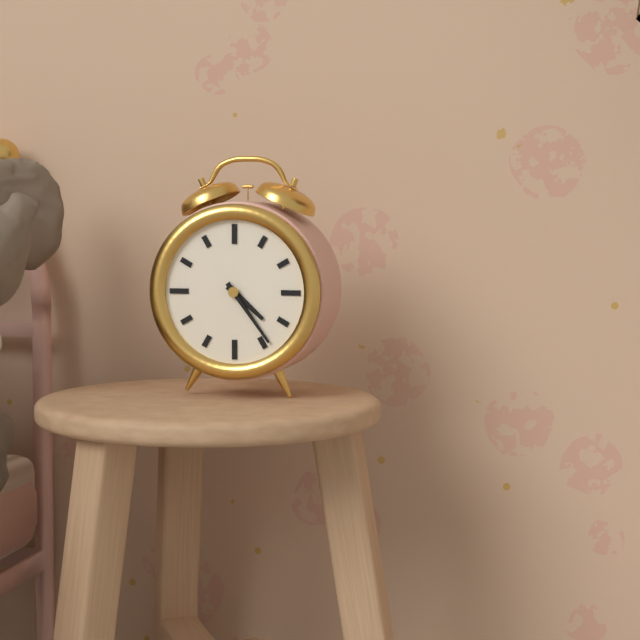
4:24
